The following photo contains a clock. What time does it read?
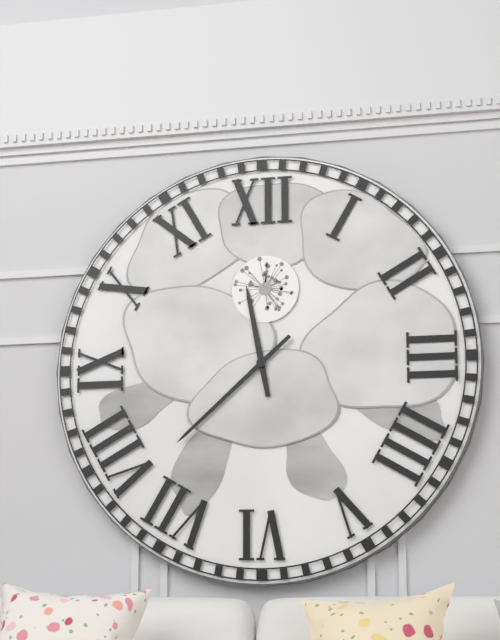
11:38
